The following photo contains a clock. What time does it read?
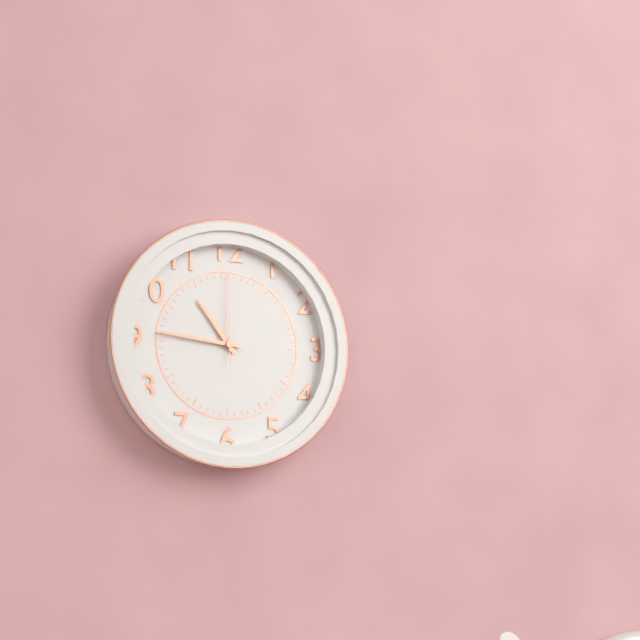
10:46:00
